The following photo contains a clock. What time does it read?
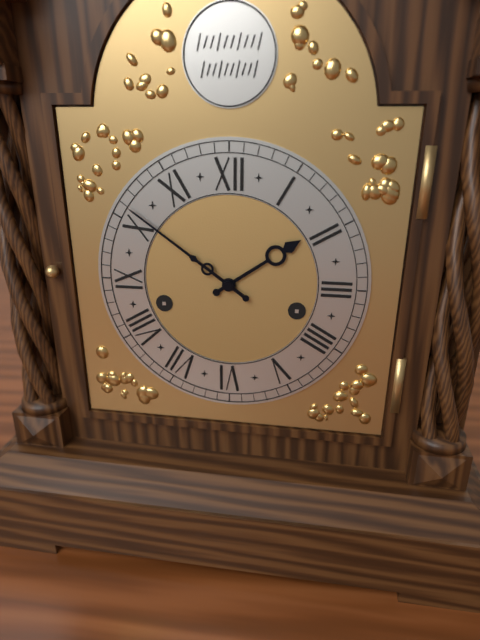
1:51
